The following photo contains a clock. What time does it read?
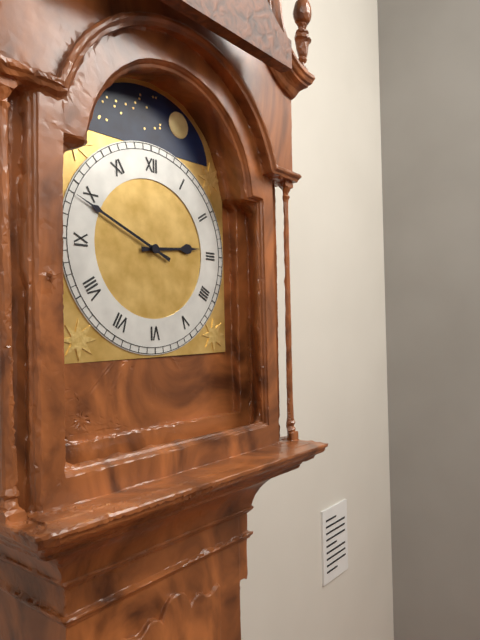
2:49
